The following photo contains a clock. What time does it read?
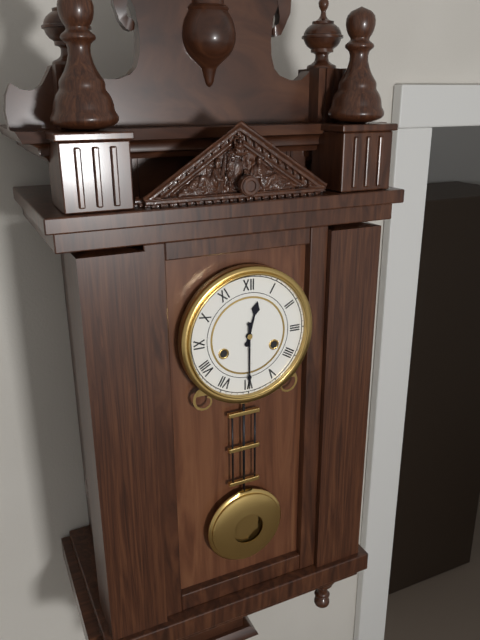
12:30
